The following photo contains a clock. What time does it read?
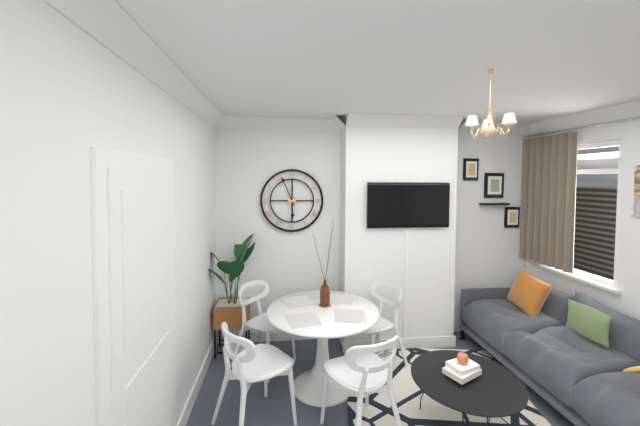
5:56
